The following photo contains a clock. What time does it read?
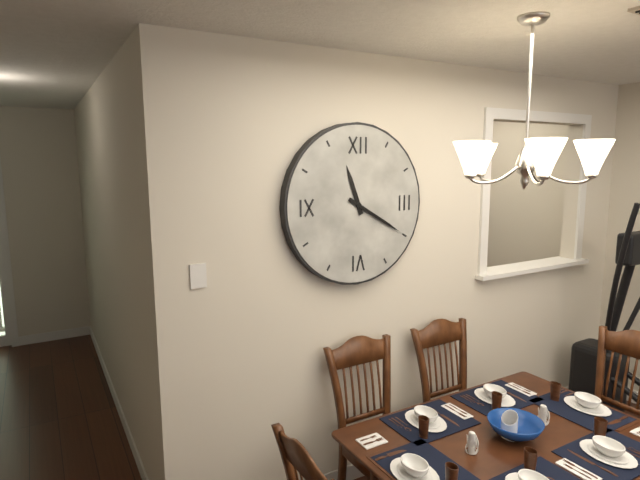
11:20
